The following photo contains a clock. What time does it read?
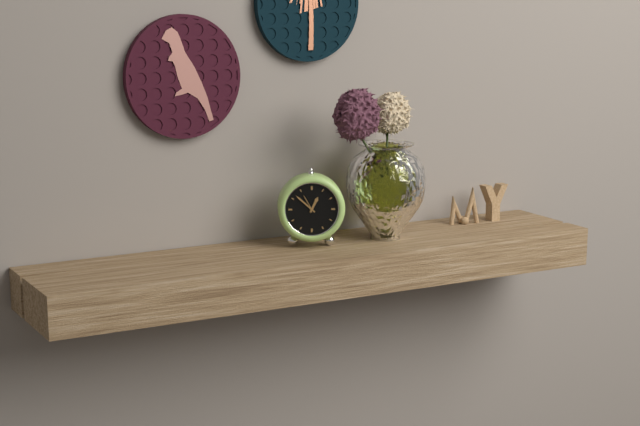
12:52
